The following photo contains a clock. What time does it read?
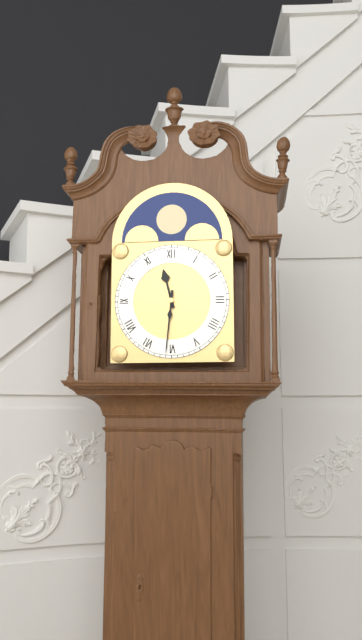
11:31
